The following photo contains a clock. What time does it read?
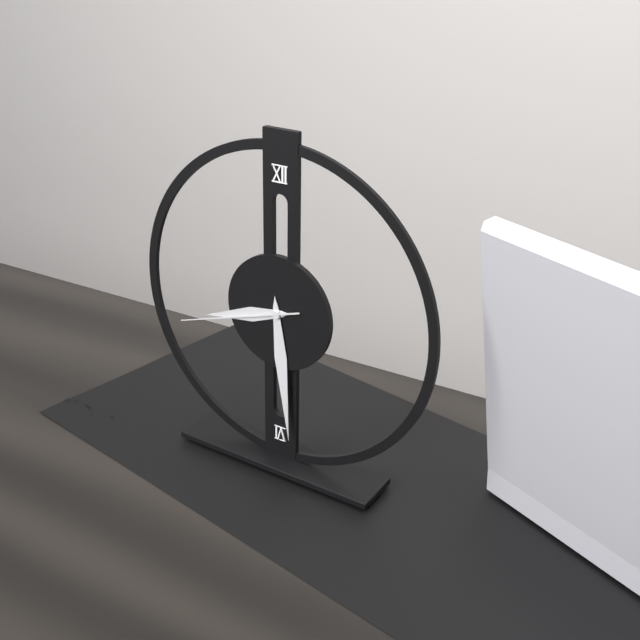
8:29:42
